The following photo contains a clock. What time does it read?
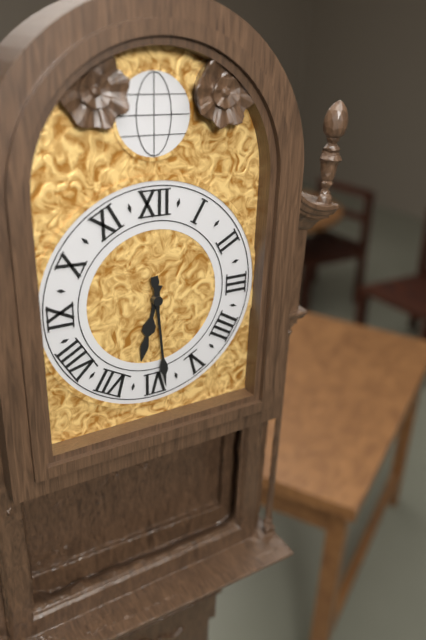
6:29
